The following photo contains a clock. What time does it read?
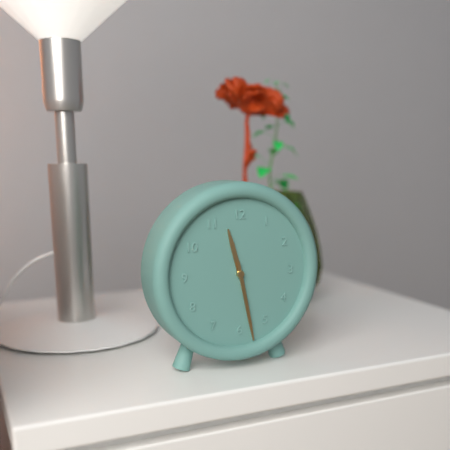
11:28
